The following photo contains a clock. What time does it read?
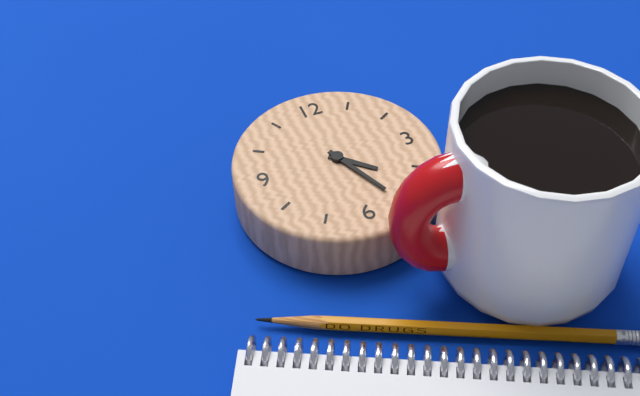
4:26
